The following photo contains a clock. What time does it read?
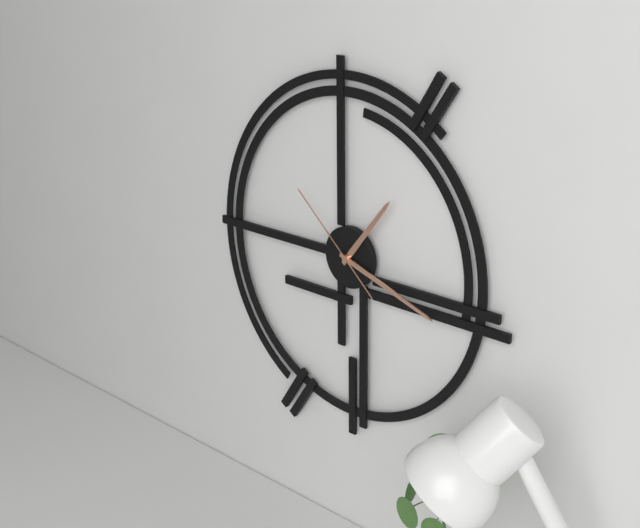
1:18:52
